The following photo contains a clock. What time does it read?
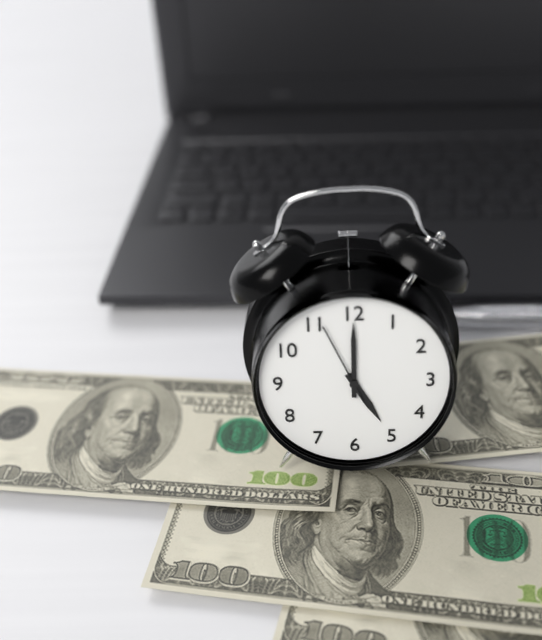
5:00:56
